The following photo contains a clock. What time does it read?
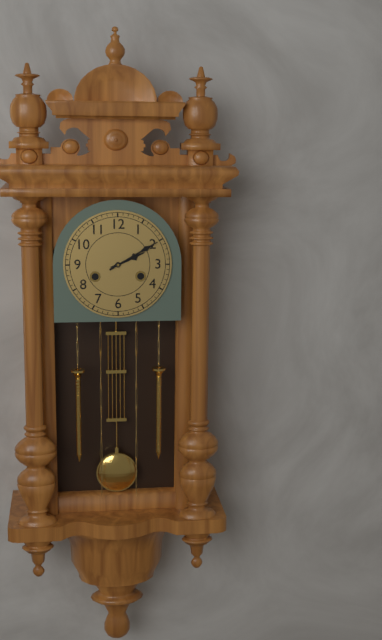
2:10
